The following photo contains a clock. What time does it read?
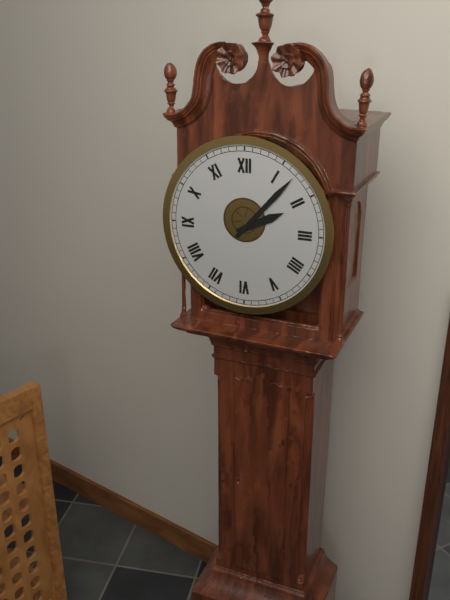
2:07
